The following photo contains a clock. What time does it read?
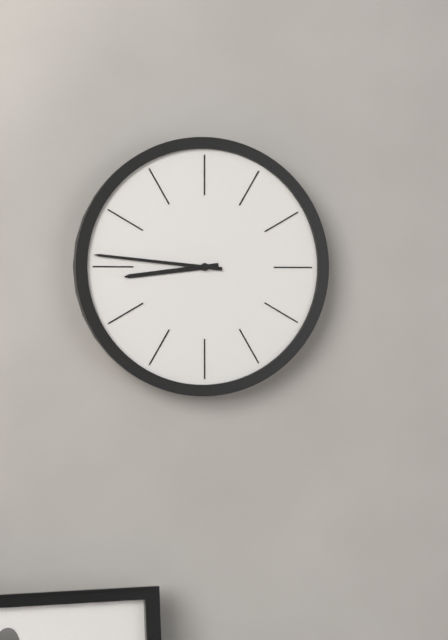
8:46
